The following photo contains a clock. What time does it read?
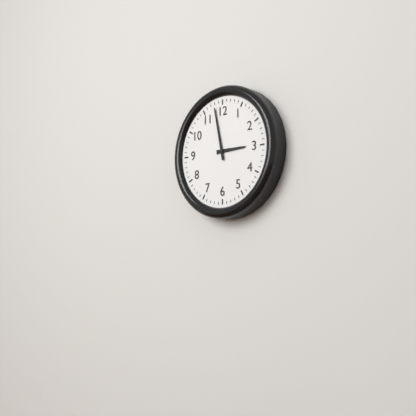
2:58
